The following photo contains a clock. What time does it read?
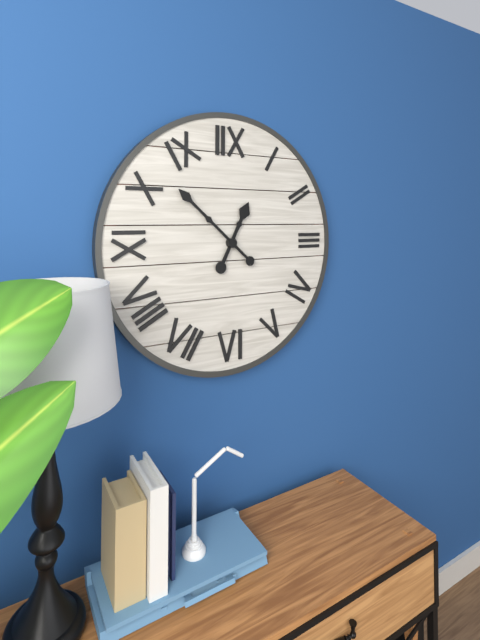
12:52
